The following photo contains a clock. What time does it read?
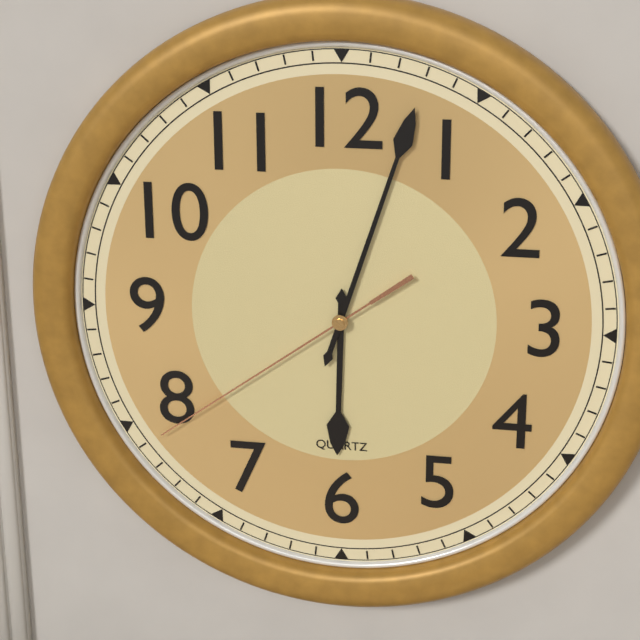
6:03:39
